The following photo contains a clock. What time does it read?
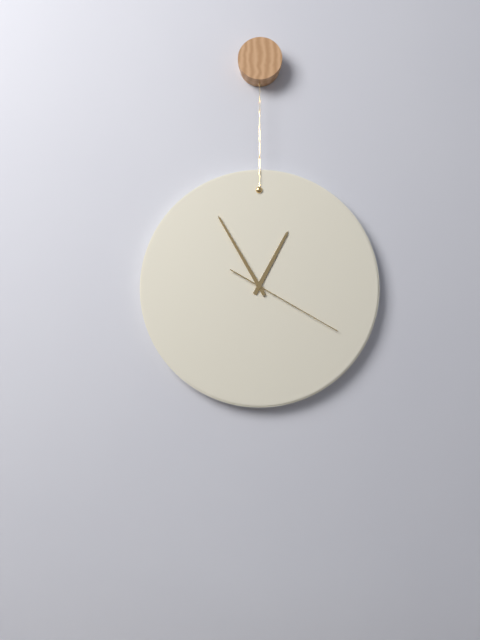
12:55:20
